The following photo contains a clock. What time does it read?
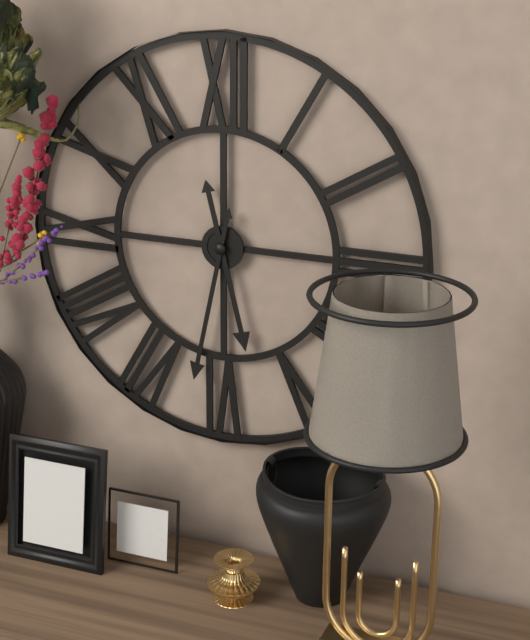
5:32
